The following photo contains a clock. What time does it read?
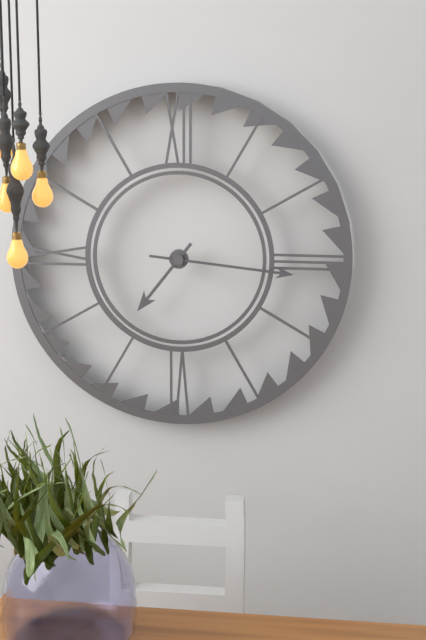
7:16
